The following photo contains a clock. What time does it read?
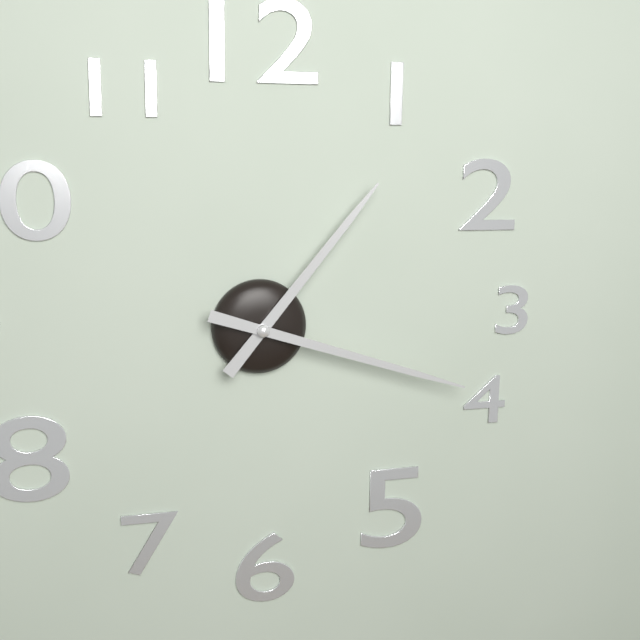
1:18
